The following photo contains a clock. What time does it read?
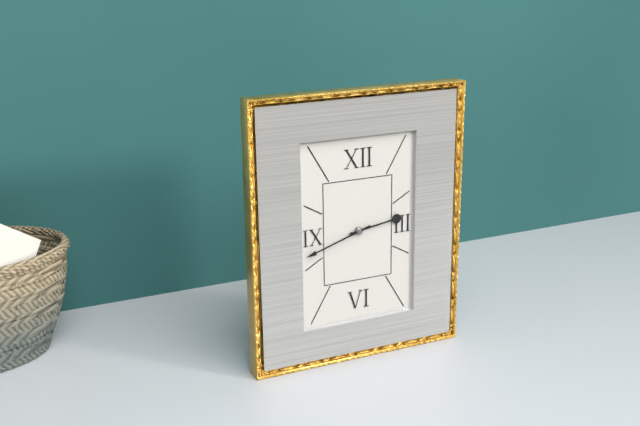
2:42
